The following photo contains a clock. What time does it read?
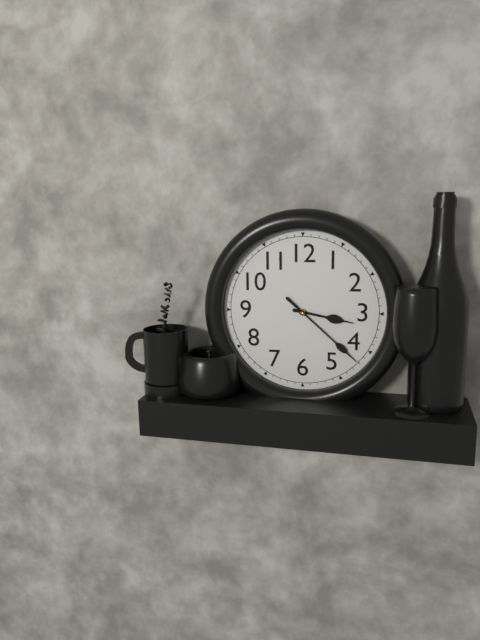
3:22
